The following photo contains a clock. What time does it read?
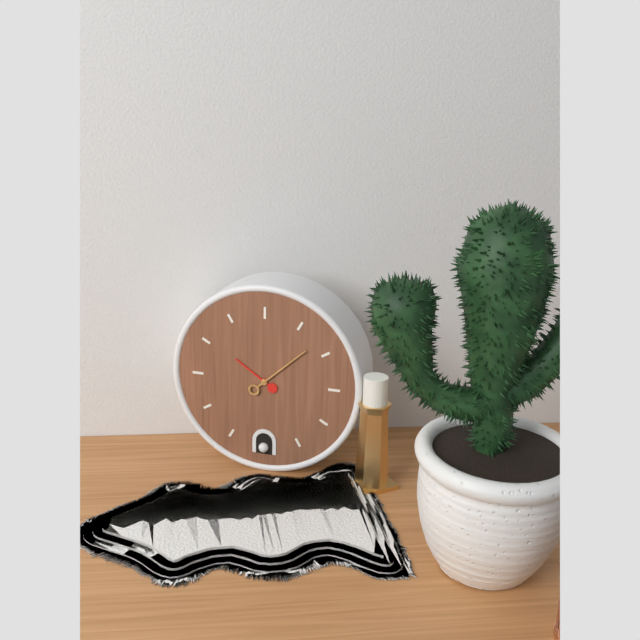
10:08
